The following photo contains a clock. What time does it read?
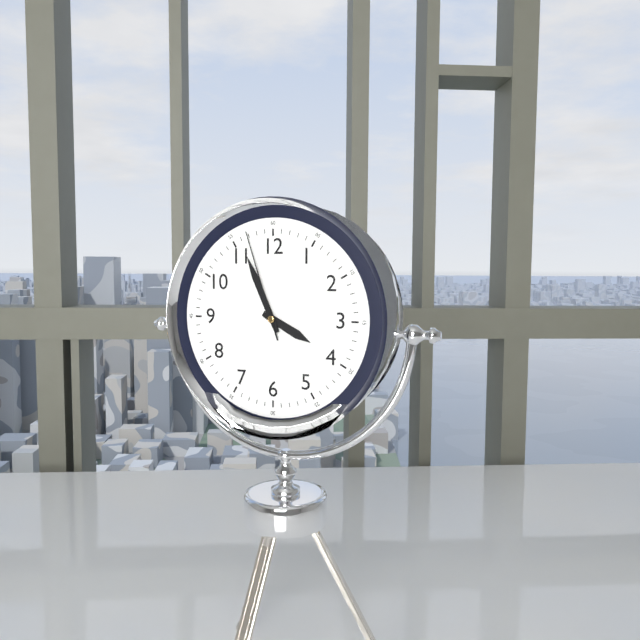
3:56:57
